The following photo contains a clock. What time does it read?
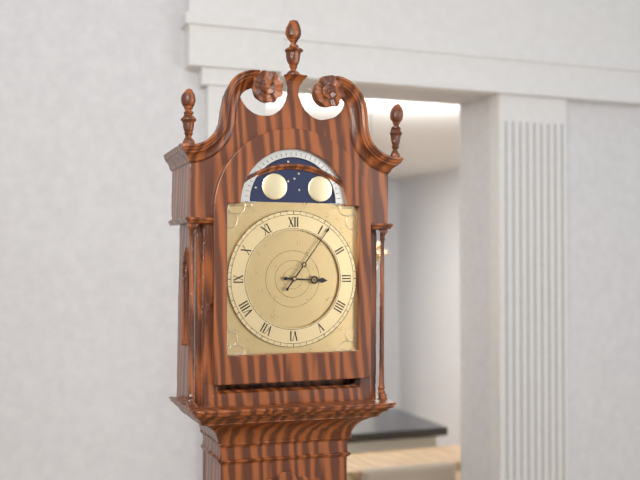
3:06
